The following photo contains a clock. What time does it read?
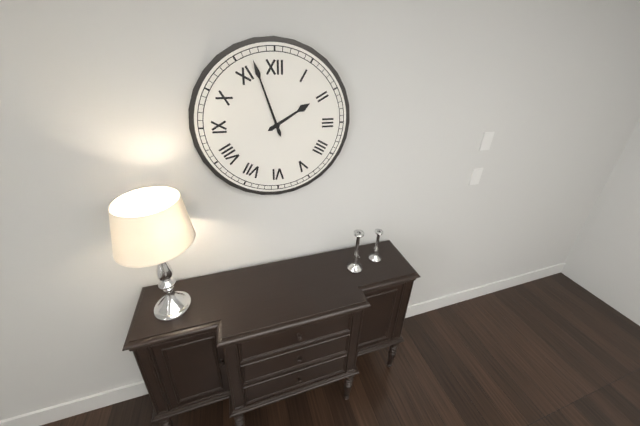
1:57
